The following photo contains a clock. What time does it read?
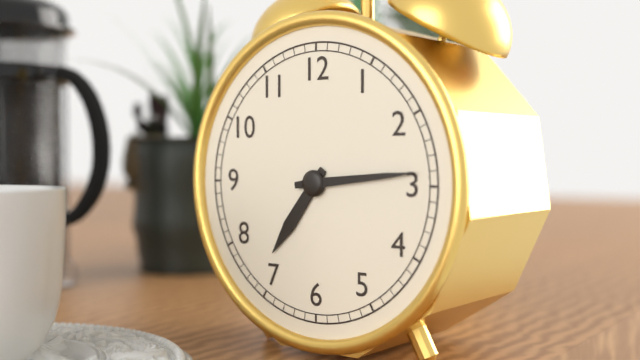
7:14
